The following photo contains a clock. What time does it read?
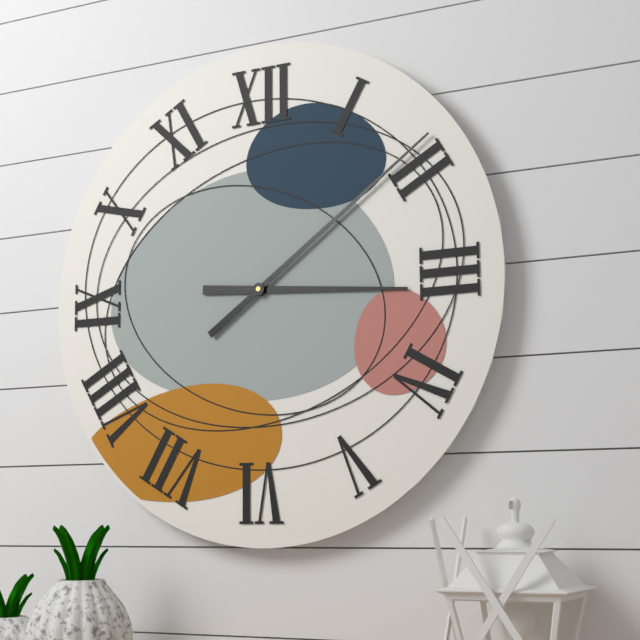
3:09
